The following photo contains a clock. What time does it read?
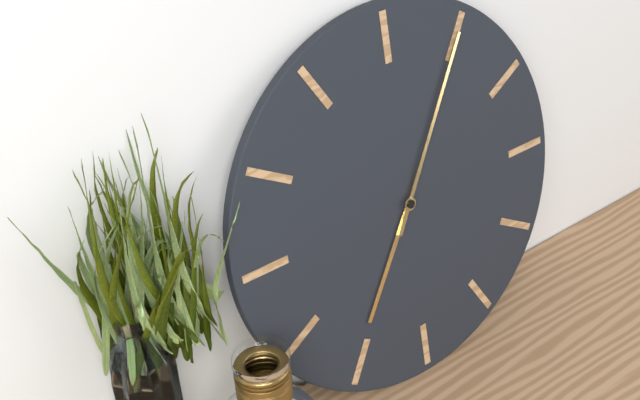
7:05
